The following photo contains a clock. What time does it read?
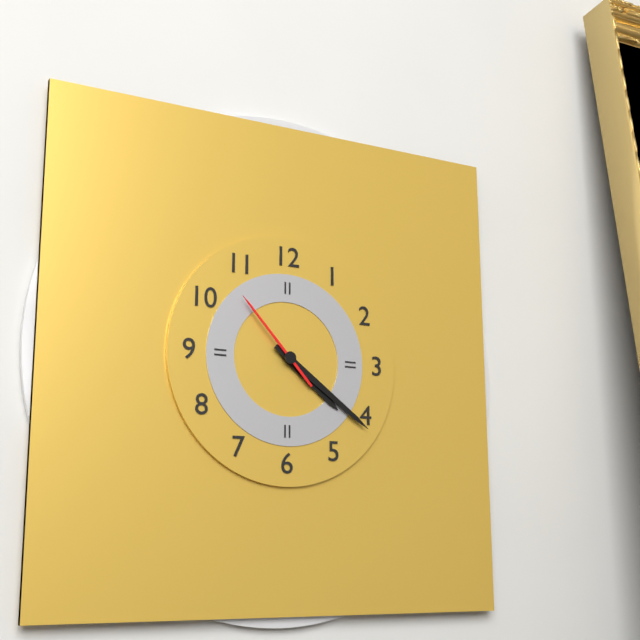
4:21:53
